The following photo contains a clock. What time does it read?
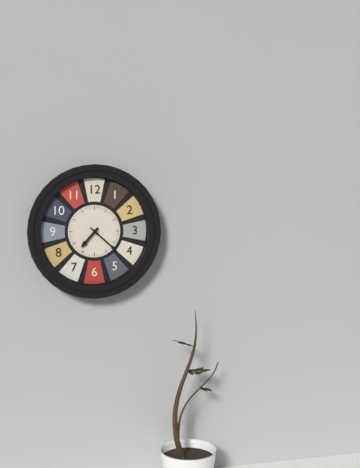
7:22
